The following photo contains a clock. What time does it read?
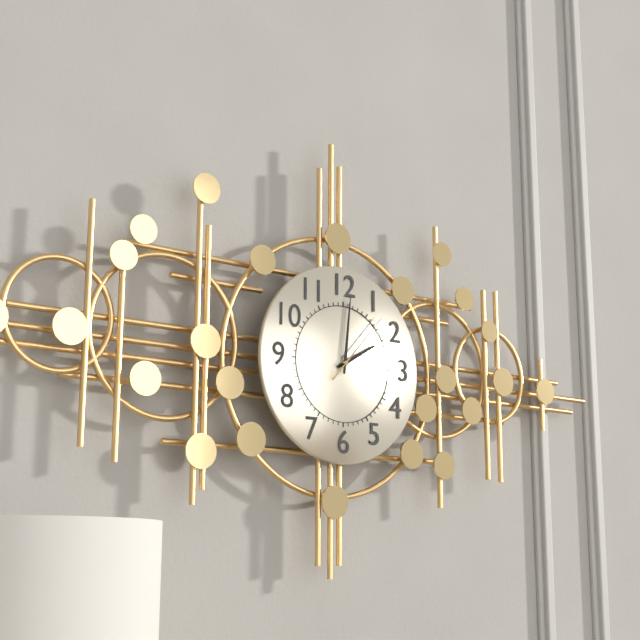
2:01:07
